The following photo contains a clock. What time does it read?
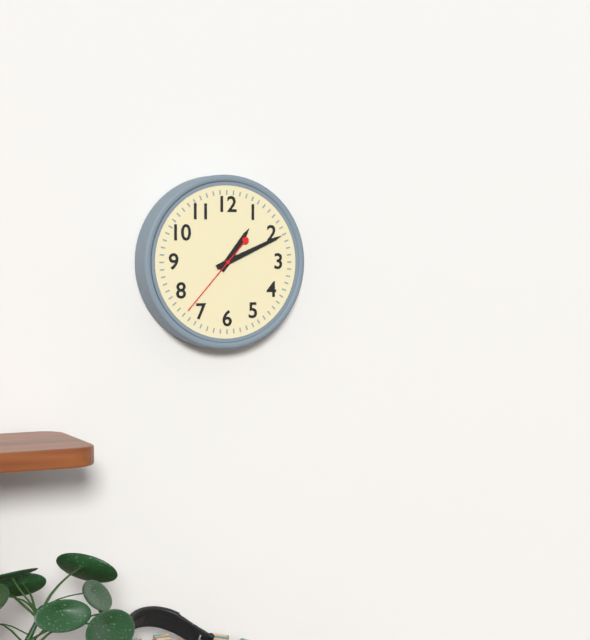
1:11:37
